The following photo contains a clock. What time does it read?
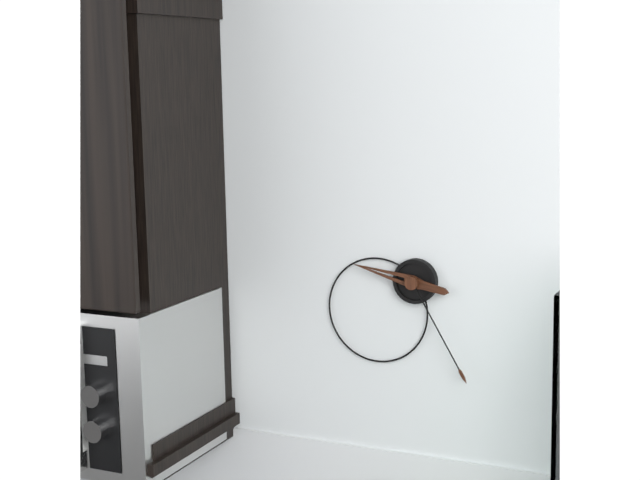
9:25
